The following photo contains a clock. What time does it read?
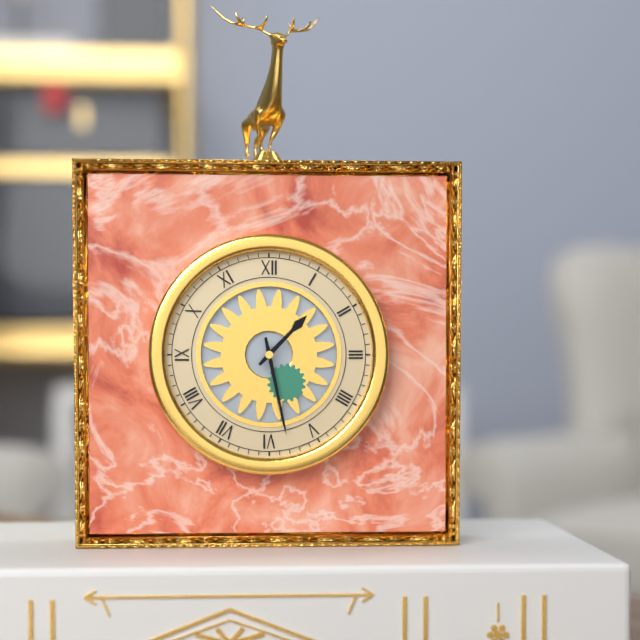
1:28
